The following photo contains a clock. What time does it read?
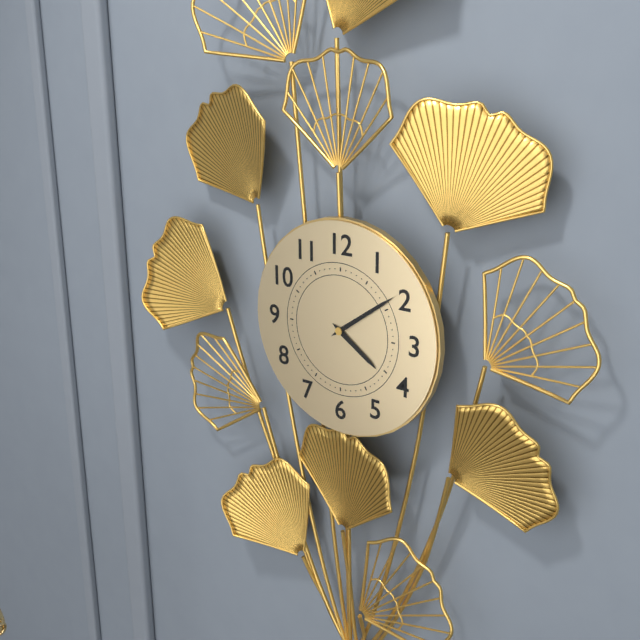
4:09
